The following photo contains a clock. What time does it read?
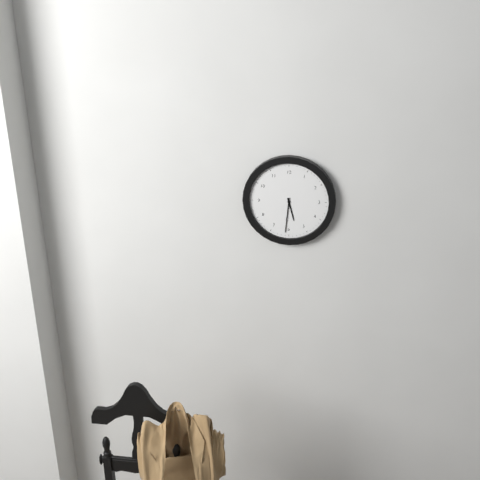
5:31
